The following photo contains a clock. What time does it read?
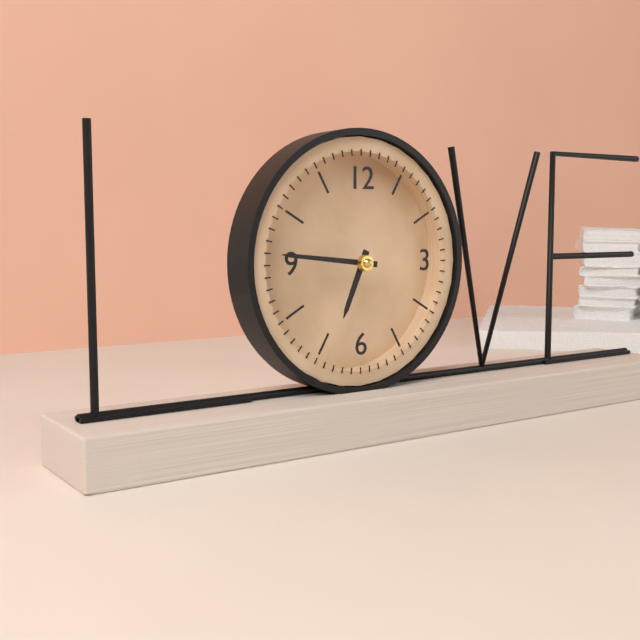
6:46
